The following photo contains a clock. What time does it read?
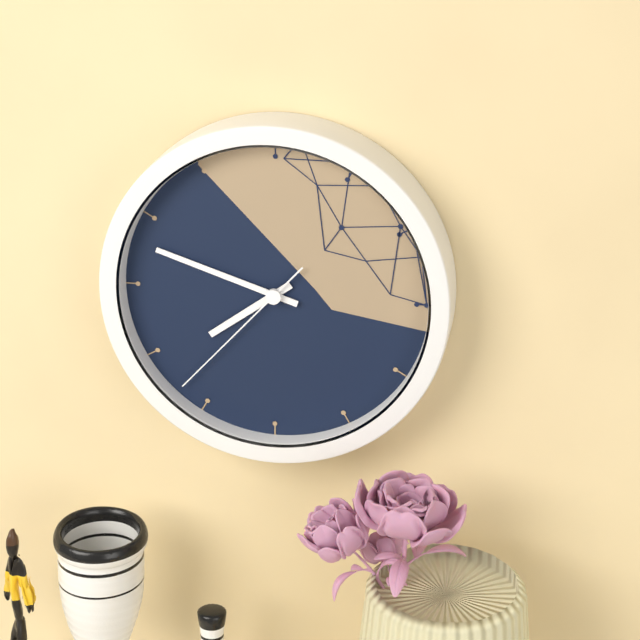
7:48:37
